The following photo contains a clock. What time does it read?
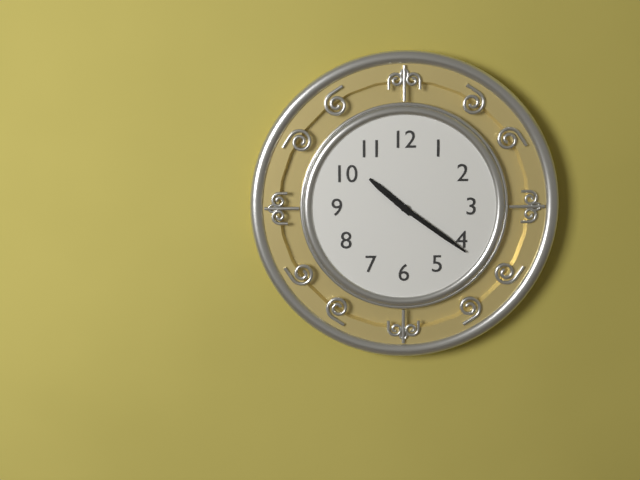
10:21:21
